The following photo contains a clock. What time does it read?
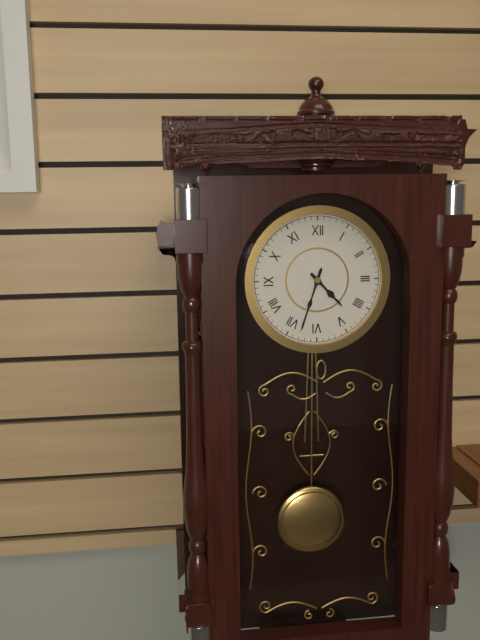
4:33
